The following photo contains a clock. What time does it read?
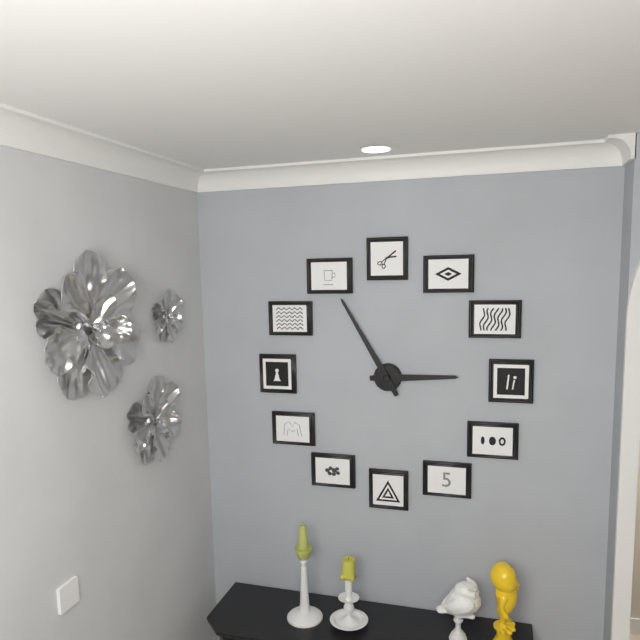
2:55
